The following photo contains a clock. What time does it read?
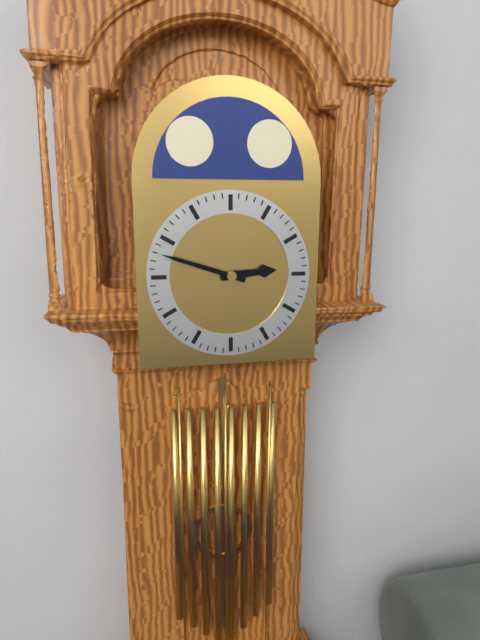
2:48
